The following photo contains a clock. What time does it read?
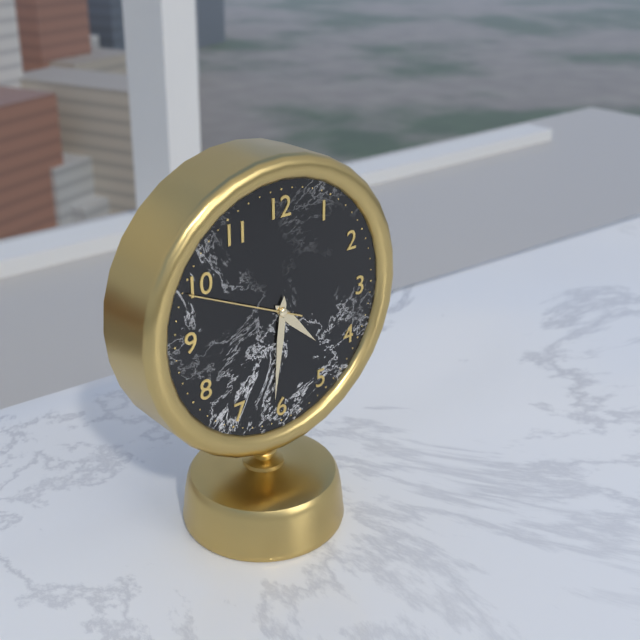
4:31:49
